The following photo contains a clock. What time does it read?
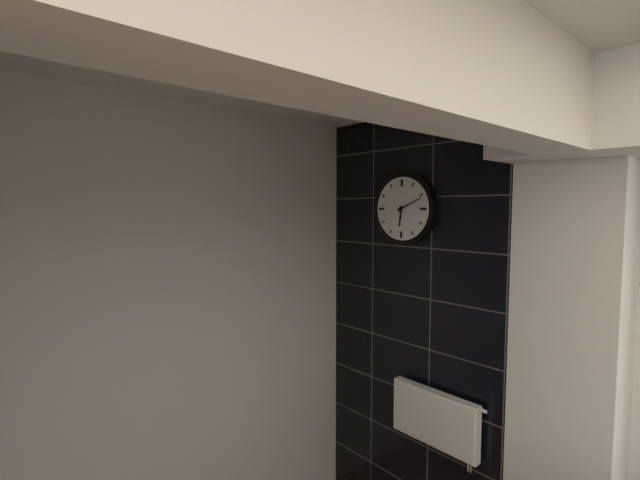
6:11
